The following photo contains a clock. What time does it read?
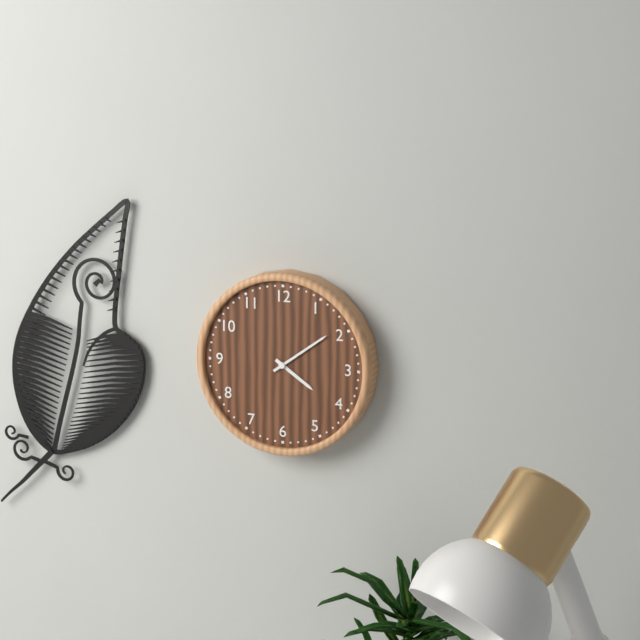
4:09
